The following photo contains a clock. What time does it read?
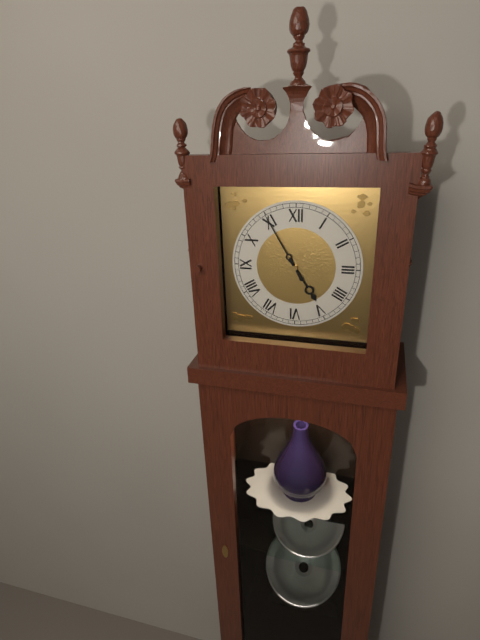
4:55
